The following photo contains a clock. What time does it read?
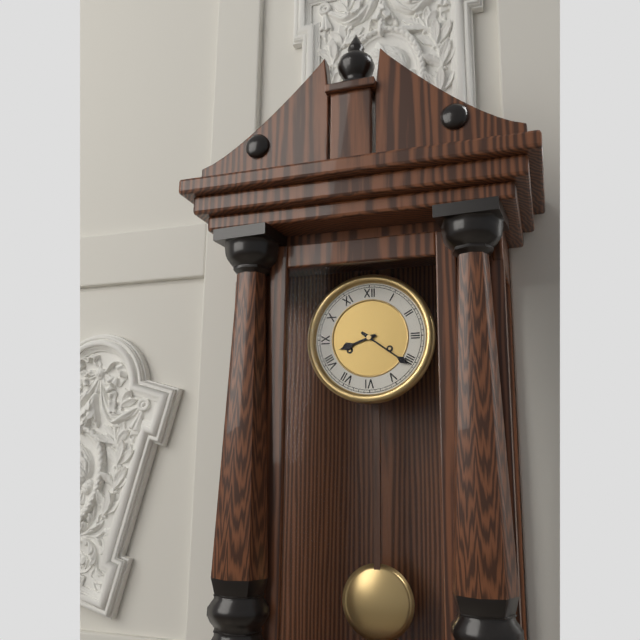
8:21
